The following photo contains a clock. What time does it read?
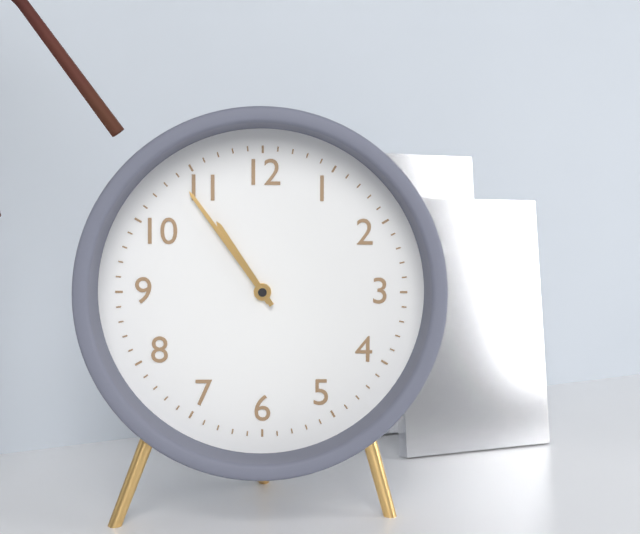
10:54
